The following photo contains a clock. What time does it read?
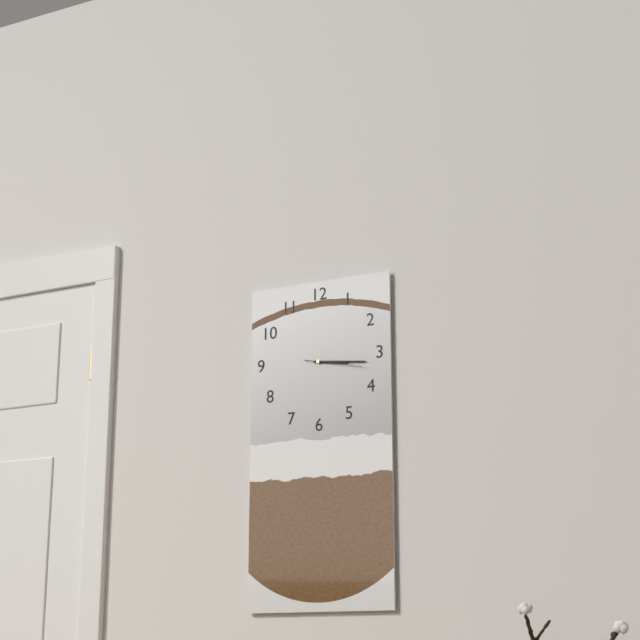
3:16:17
